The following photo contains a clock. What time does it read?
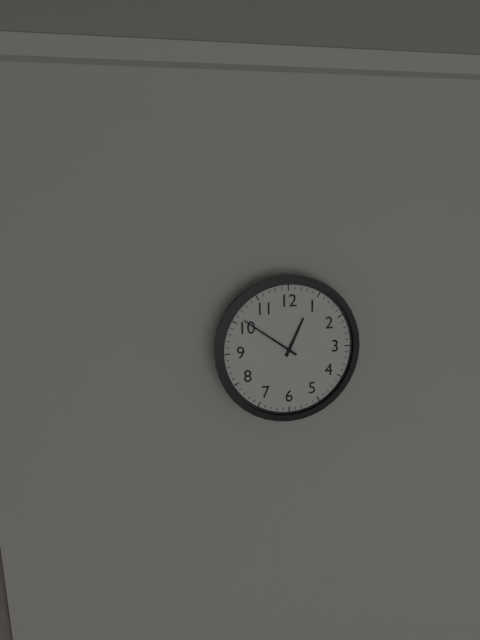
12:51
